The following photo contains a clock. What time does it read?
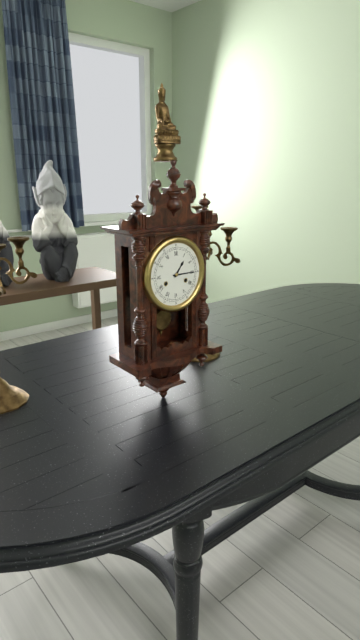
1:15
